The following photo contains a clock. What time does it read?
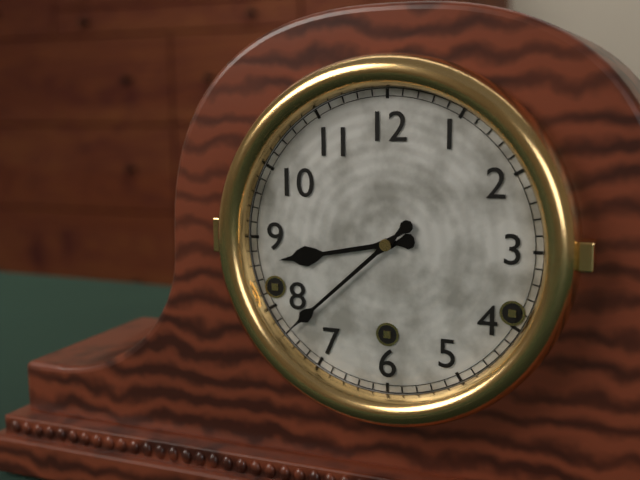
8:38
